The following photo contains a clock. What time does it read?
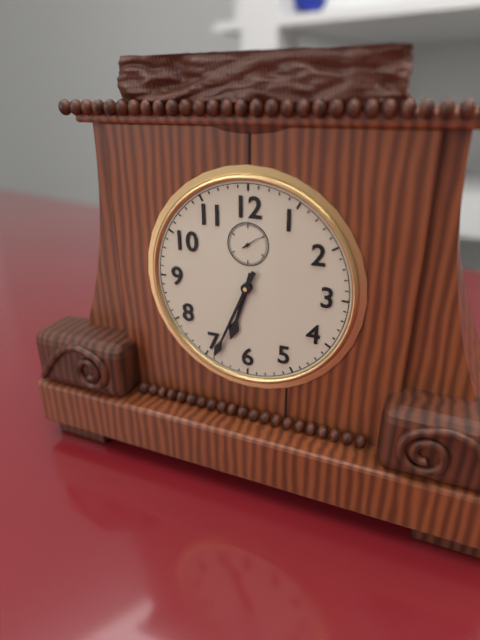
6:34
